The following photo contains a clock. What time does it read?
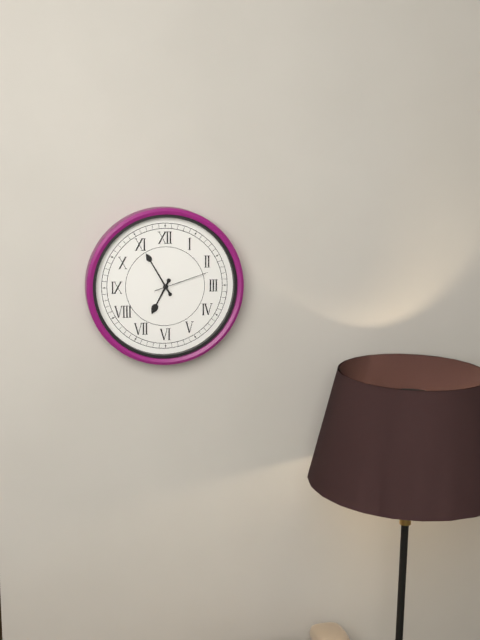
6:55:12
